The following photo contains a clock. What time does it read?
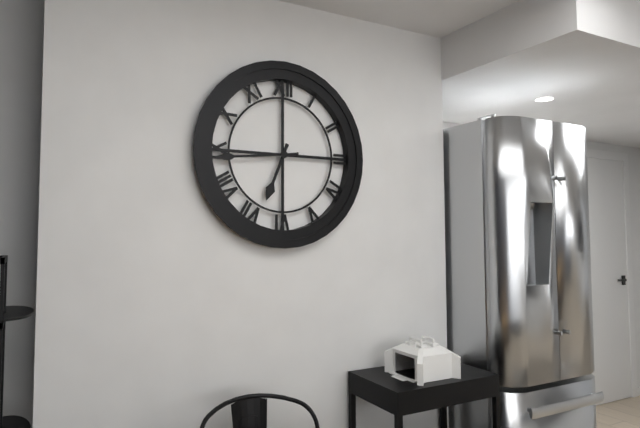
6:44
